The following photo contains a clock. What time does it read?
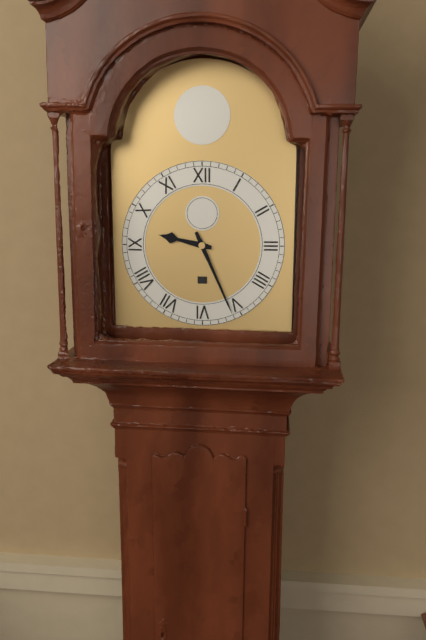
9:26
